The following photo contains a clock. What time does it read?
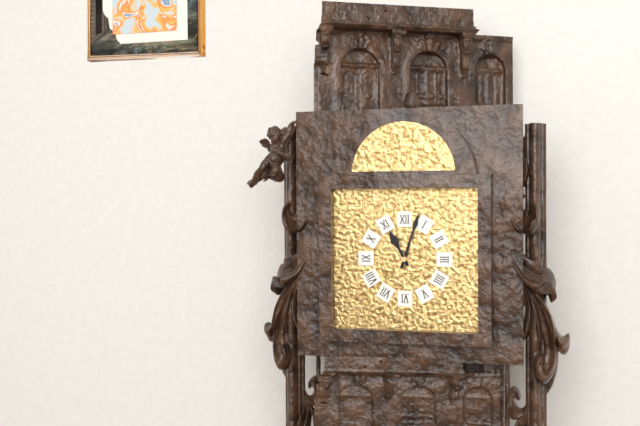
11:03
